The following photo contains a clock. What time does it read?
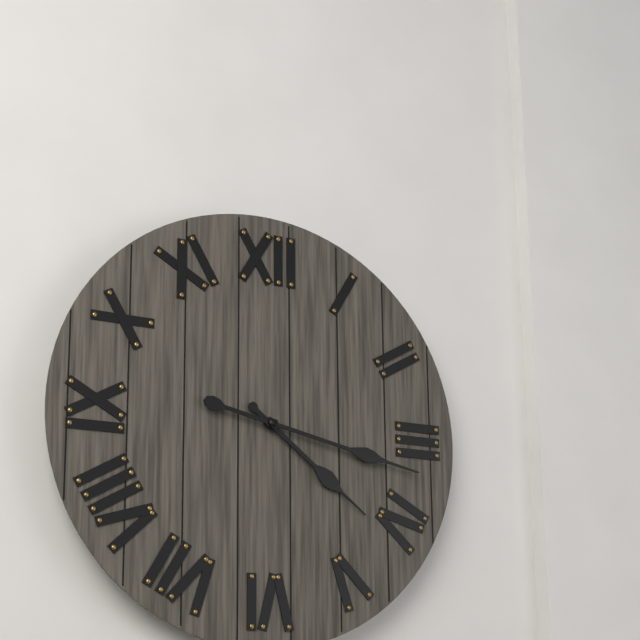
4:17
